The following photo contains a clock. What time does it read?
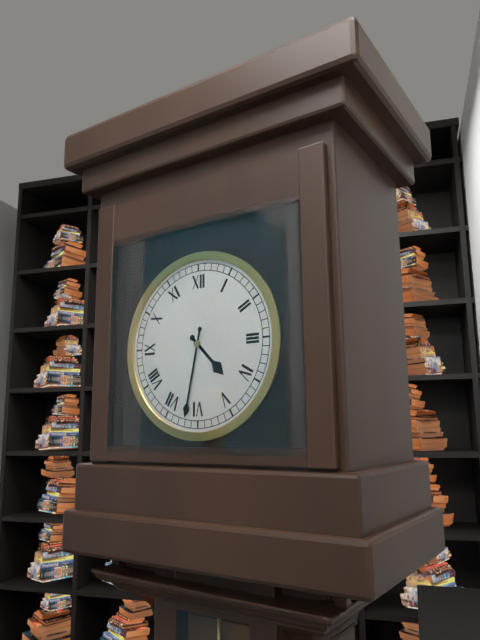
4:32
